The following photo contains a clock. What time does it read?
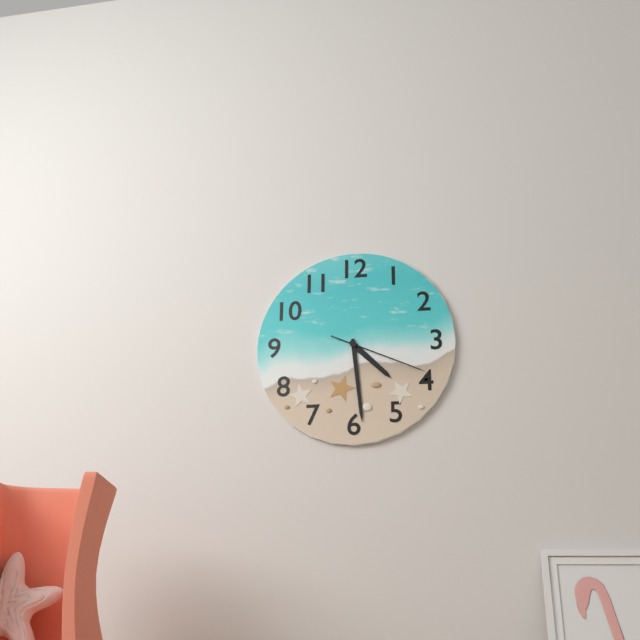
4:29:19
